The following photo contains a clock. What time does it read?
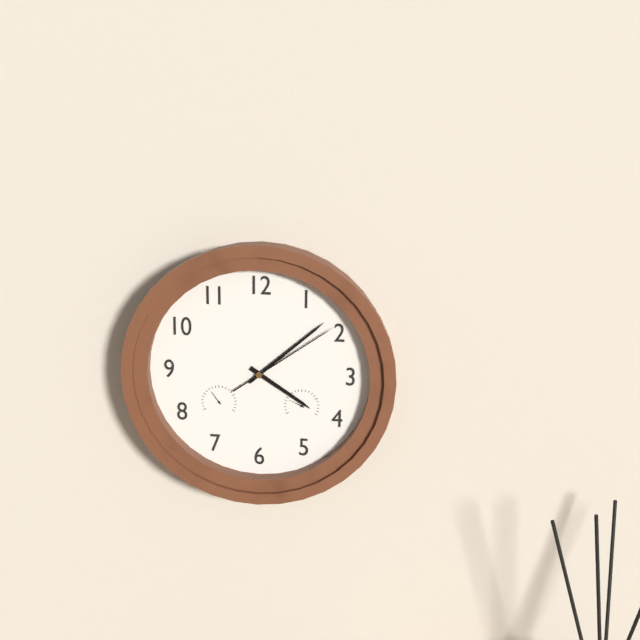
4:08:09
